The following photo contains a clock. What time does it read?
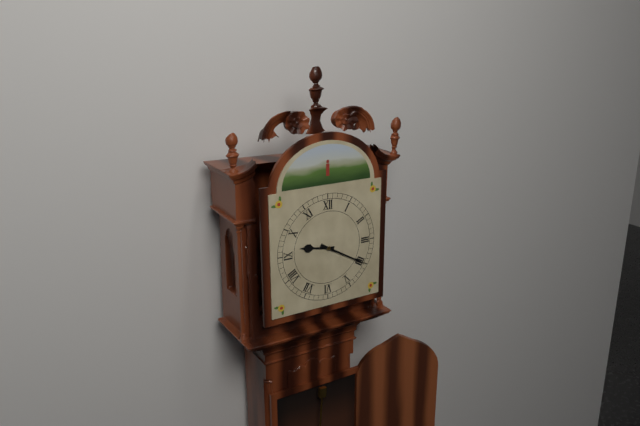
9:20
